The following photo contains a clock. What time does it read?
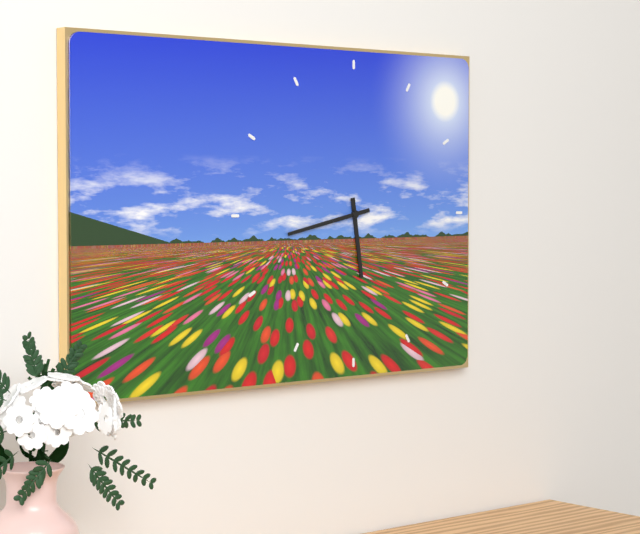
5:43
